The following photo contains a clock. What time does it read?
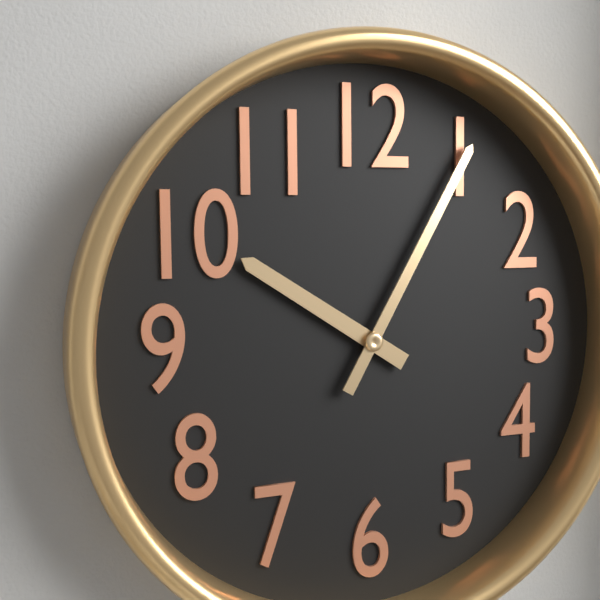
10:05
